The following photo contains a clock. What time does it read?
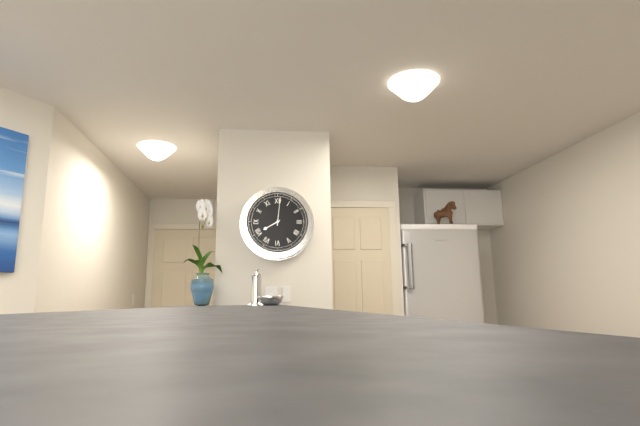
8:01
